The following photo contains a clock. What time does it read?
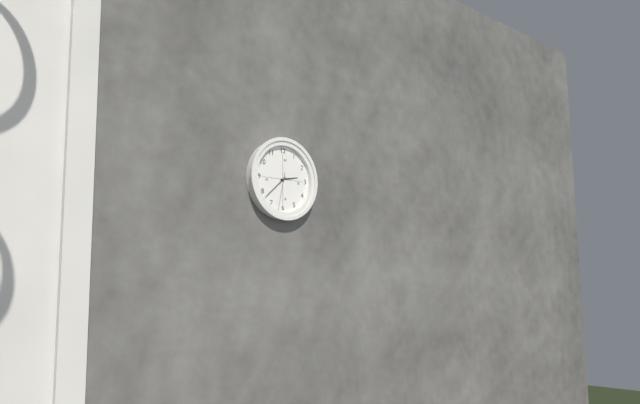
2:38
